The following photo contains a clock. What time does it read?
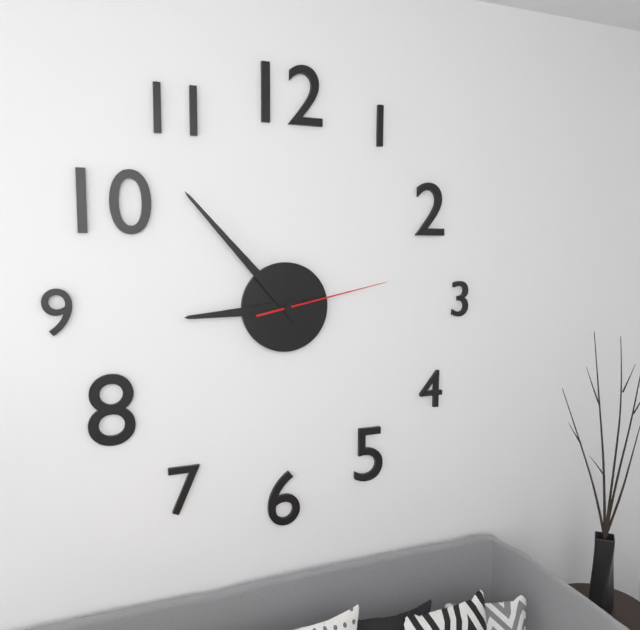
8:53:13
